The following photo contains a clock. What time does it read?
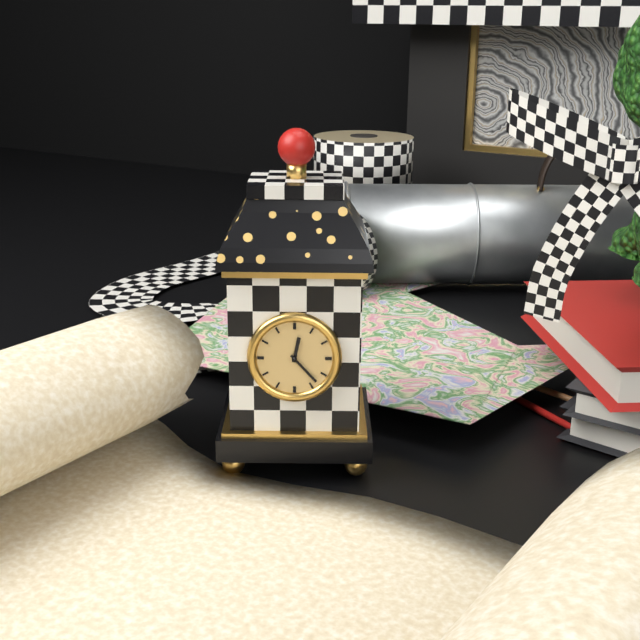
12:23
